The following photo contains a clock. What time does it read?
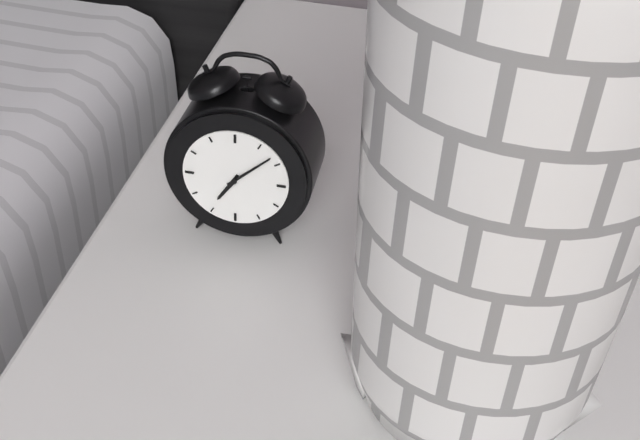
7:08
